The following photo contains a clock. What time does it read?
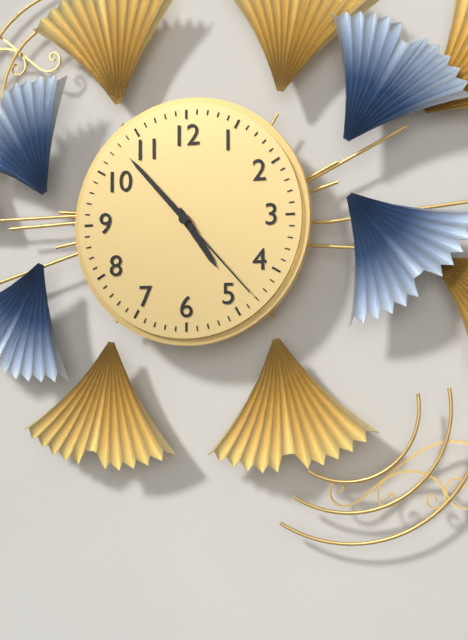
4:53:23
